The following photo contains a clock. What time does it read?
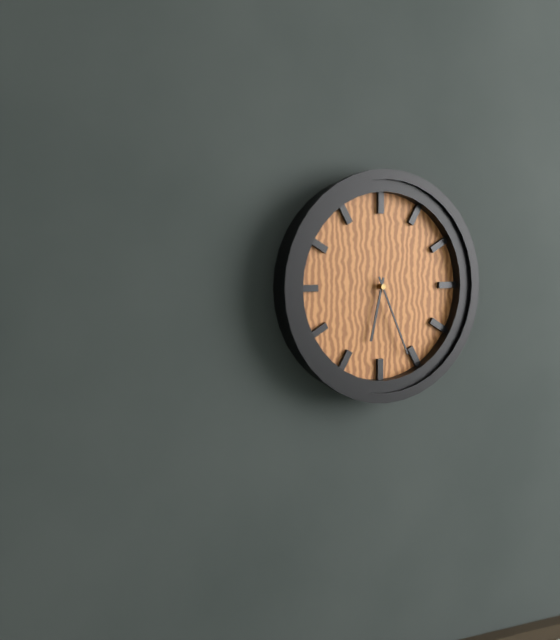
6:26
